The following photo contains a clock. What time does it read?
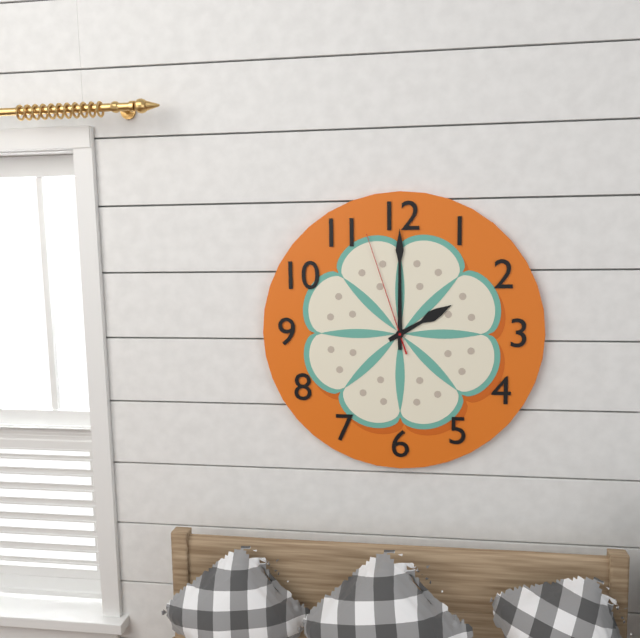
2:00:57
